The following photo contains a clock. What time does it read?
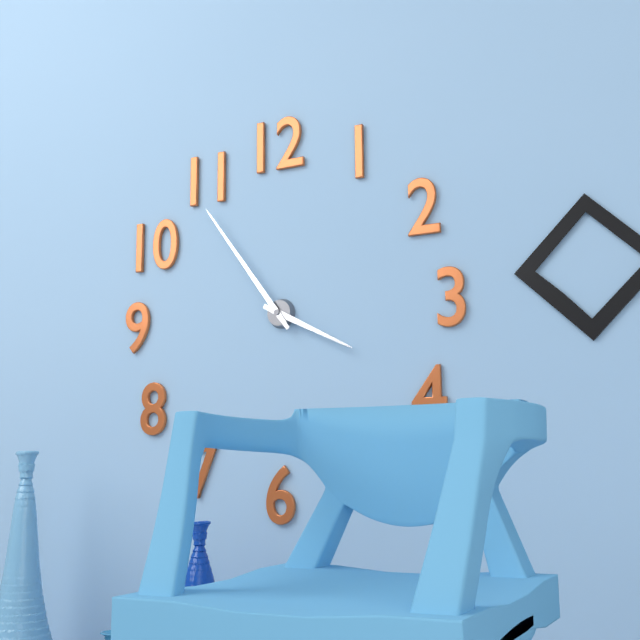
3:54
